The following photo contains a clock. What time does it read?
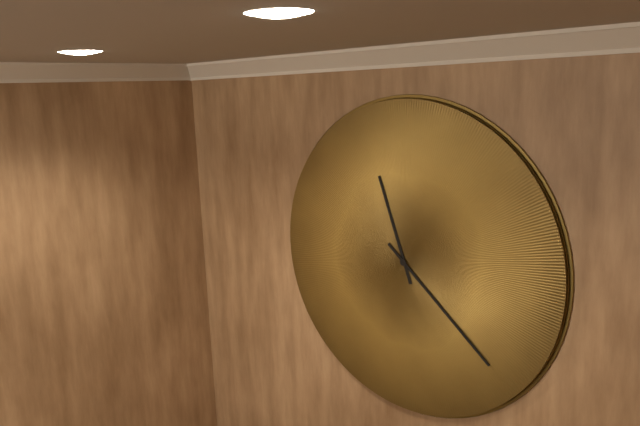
11:22
